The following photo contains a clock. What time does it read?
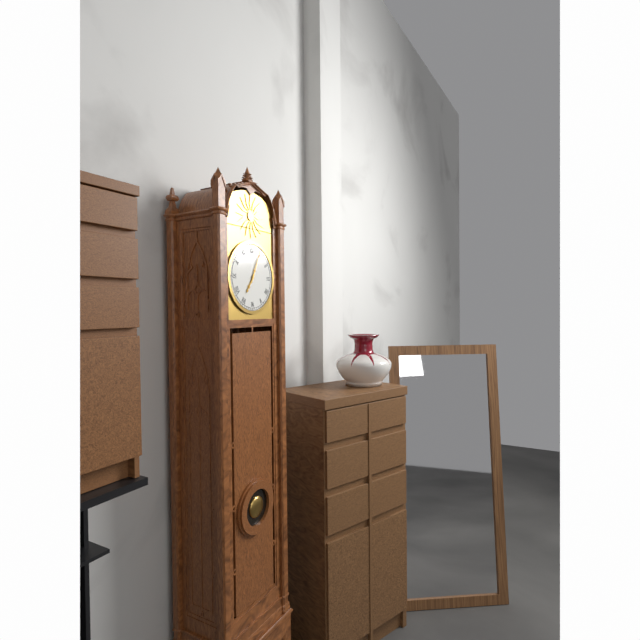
7:04
